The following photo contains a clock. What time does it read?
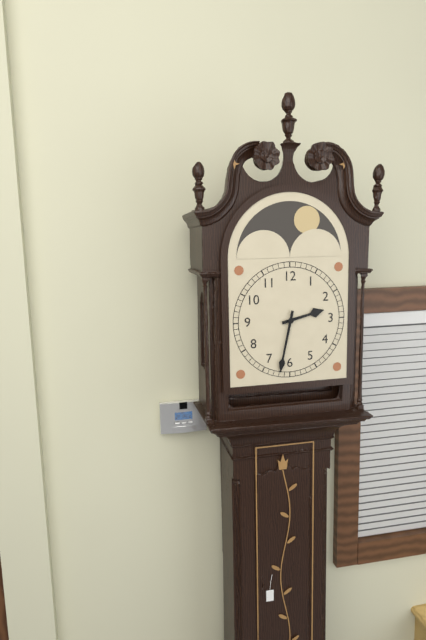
2:32
